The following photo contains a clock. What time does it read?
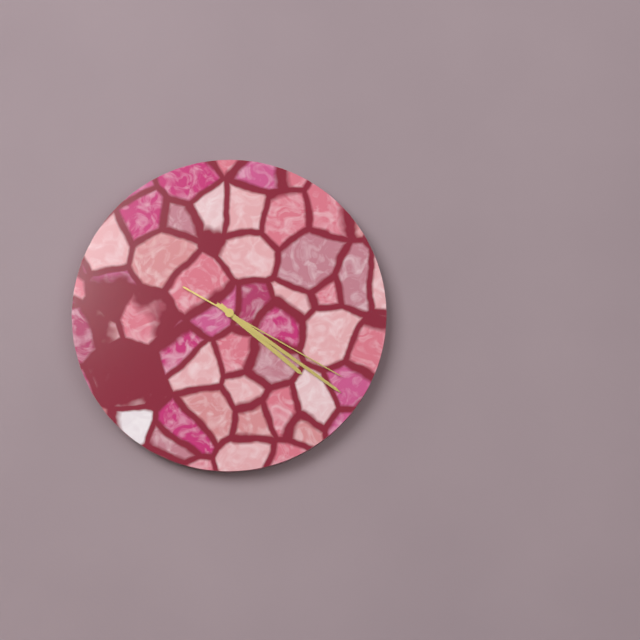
4:21:20
